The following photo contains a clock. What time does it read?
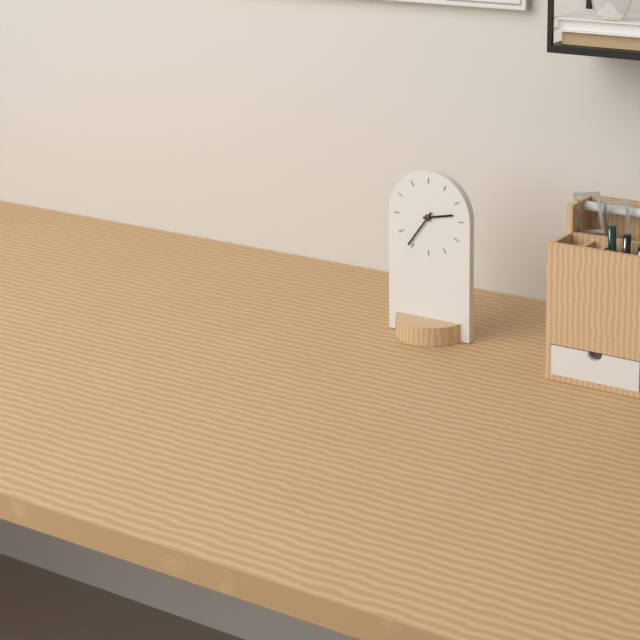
2:36
